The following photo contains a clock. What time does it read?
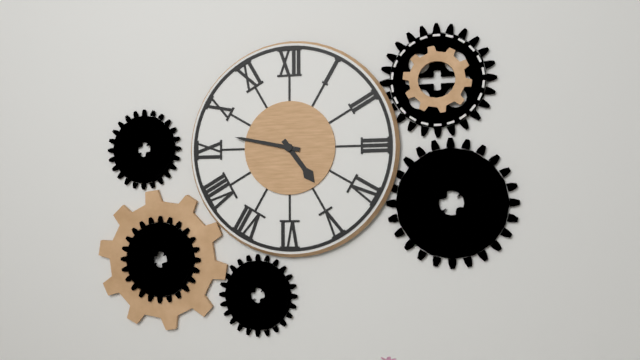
4:47
